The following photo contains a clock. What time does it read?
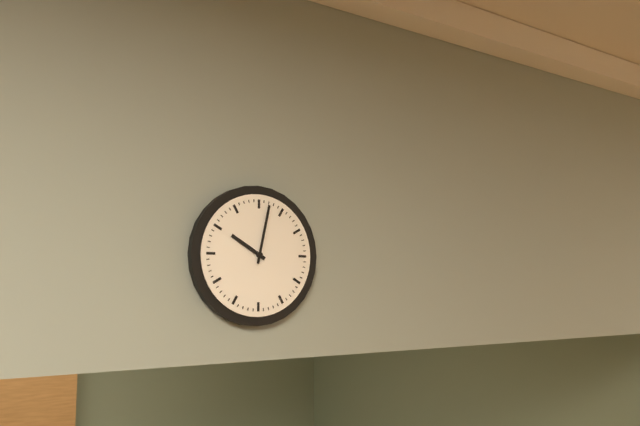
10:02
